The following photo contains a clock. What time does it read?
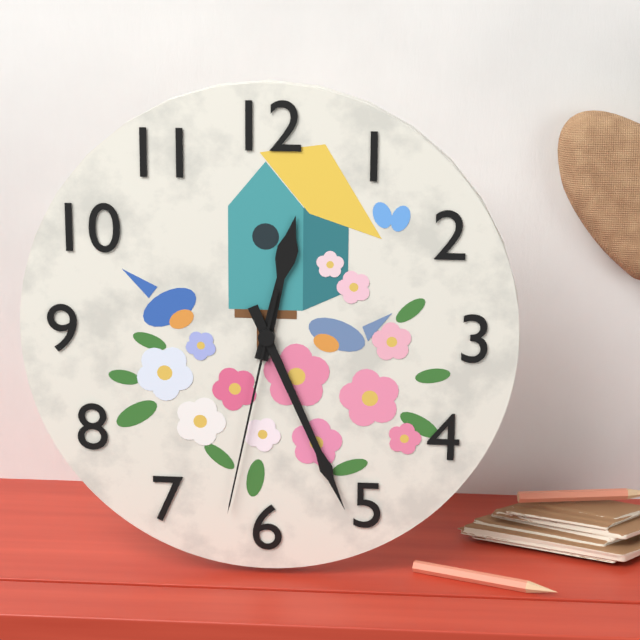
12:26:32
